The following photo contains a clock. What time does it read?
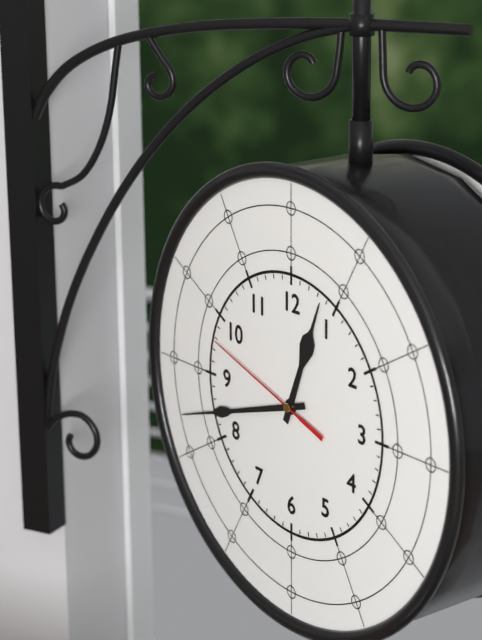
12:42:48
